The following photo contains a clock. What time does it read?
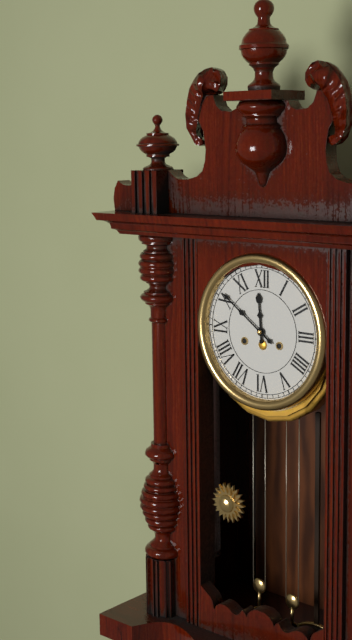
11:51
